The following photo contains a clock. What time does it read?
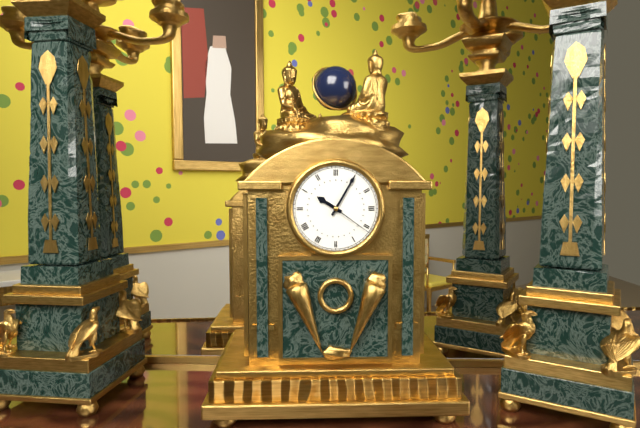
10:05:21
